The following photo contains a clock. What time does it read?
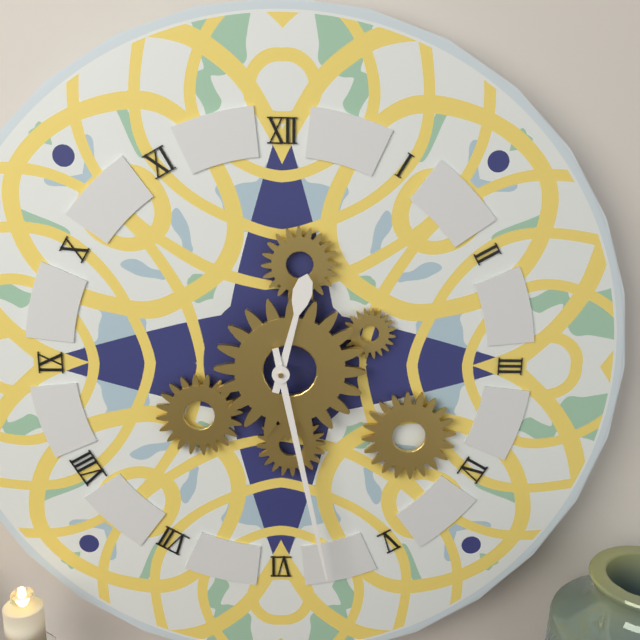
12:28
